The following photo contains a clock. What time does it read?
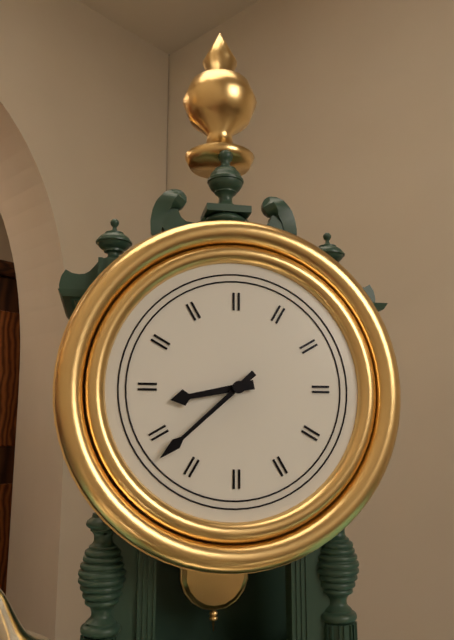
8:38
